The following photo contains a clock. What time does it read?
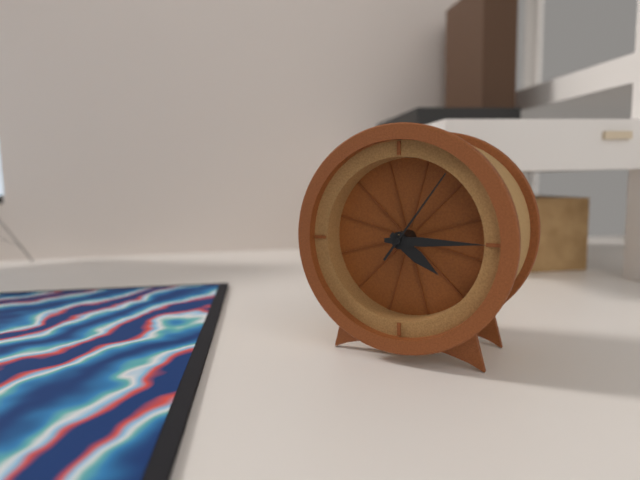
4:15:06
